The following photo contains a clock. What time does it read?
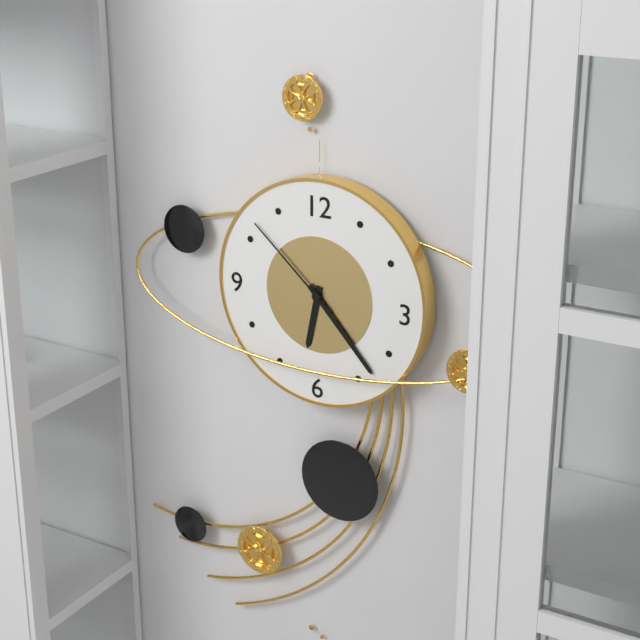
6:23:52
